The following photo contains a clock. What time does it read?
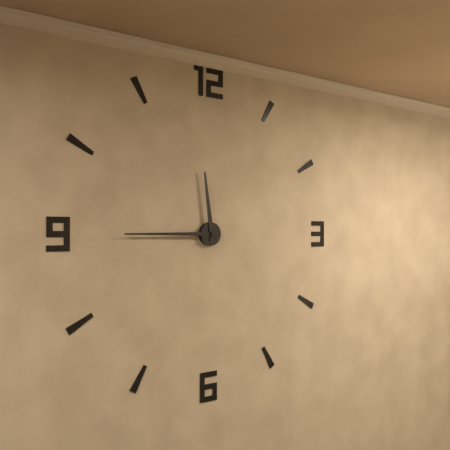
11:45
